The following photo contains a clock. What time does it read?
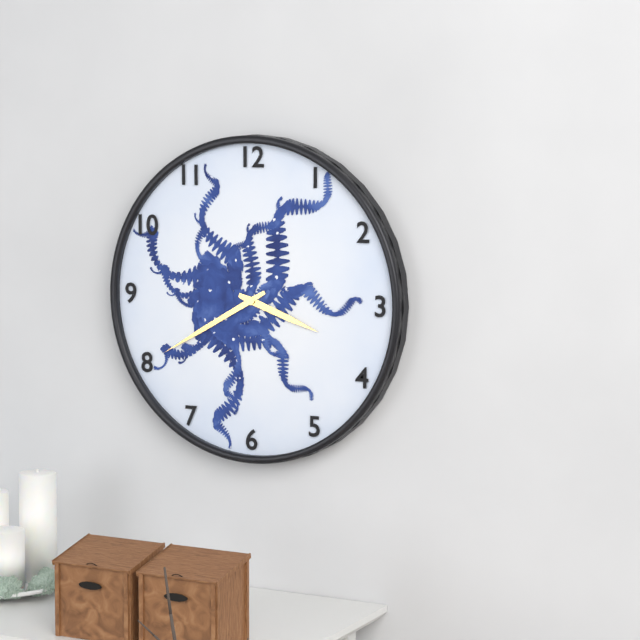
3:40
